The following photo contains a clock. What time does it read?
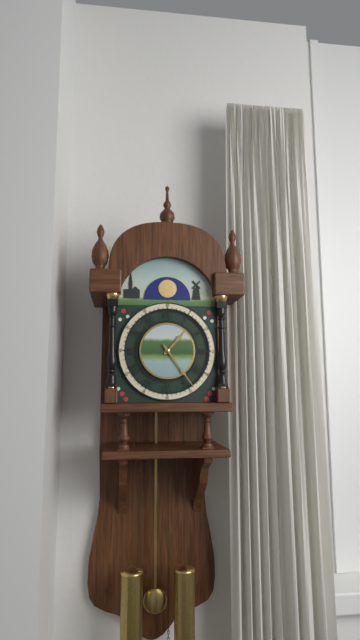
1:24
